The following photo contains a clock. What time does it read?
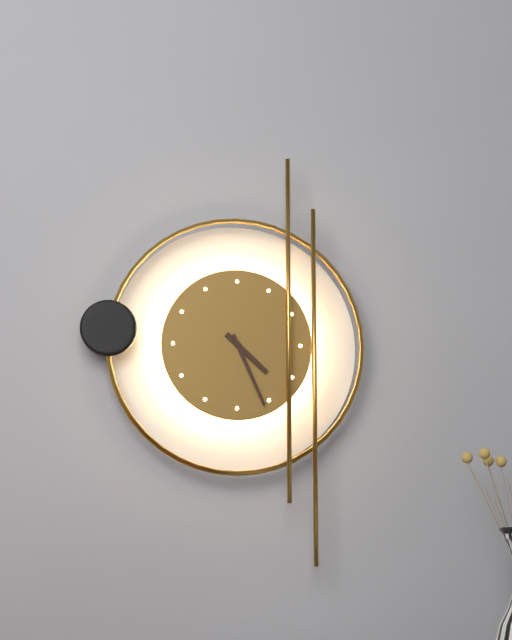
4:26
